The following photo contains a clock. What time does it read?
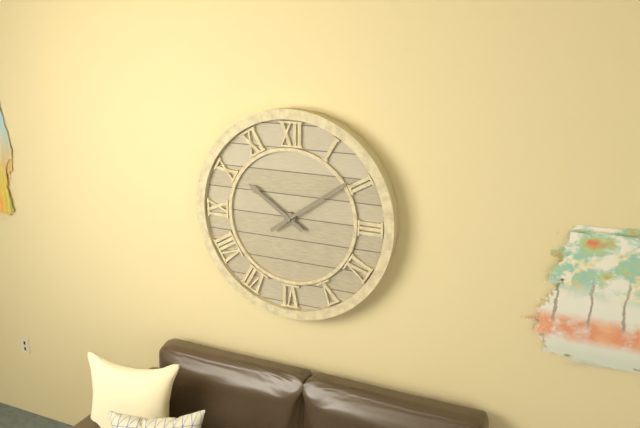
10:09
